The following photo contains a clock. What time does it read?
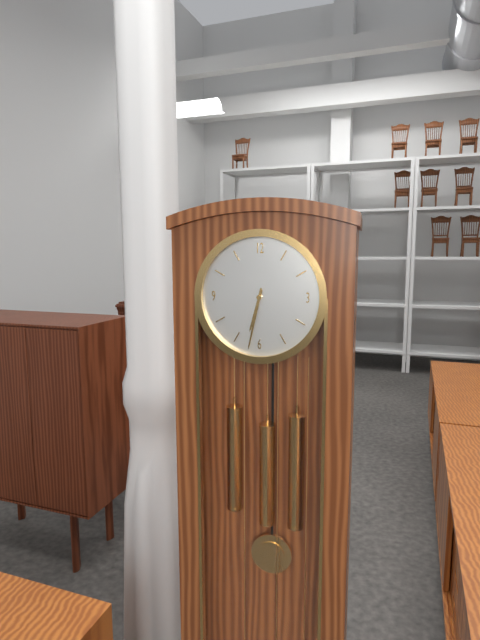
6:32
